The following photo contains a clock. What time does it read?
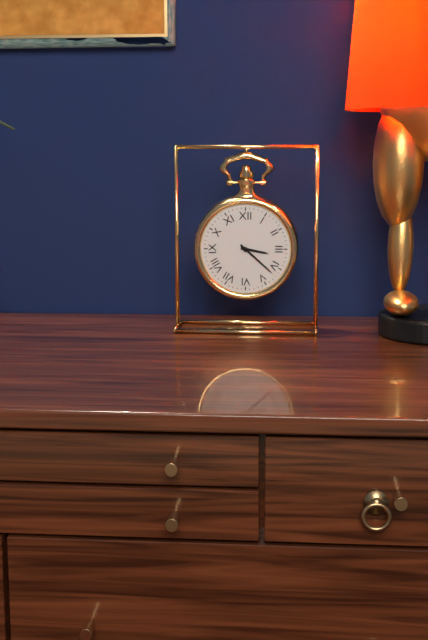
3:22
